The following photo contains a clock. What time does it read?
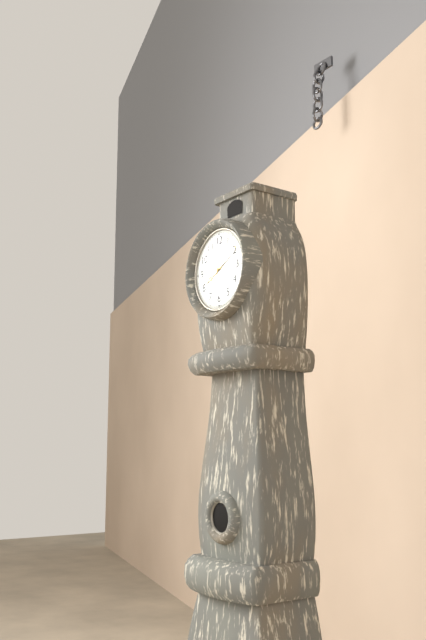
8:10
